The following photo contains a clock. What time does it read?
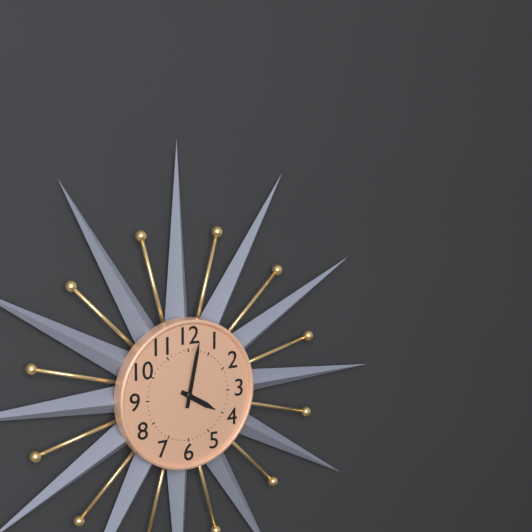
4:02
